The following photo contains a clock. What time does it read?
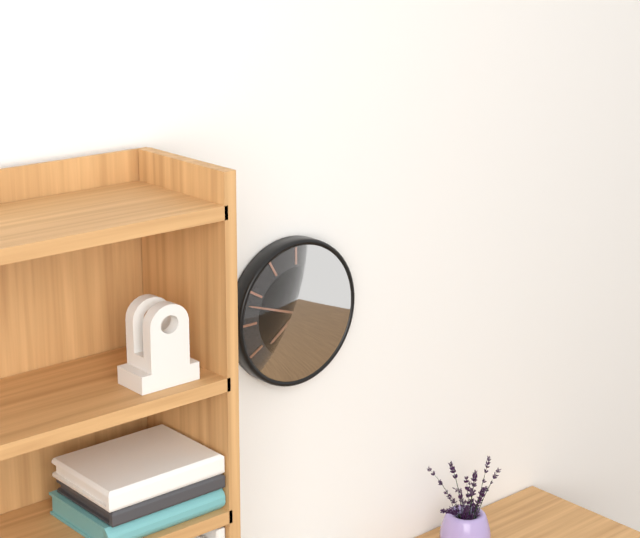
7:48
